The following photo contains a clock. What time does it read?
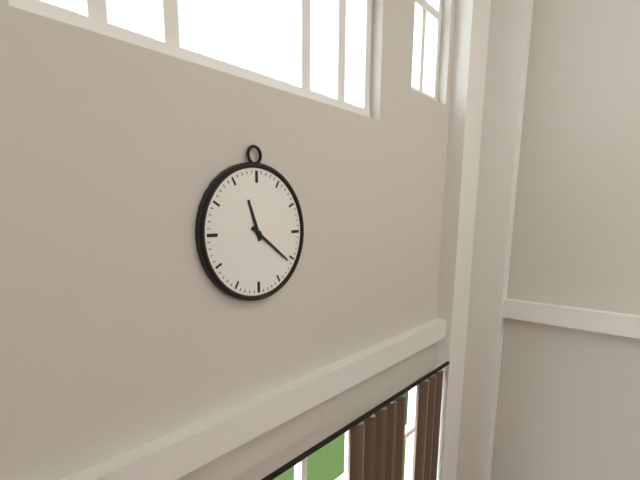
11:21
